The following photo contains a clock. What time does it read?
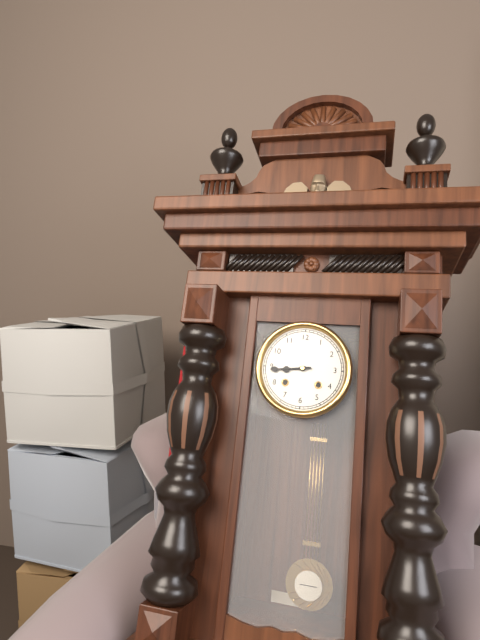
8:44
